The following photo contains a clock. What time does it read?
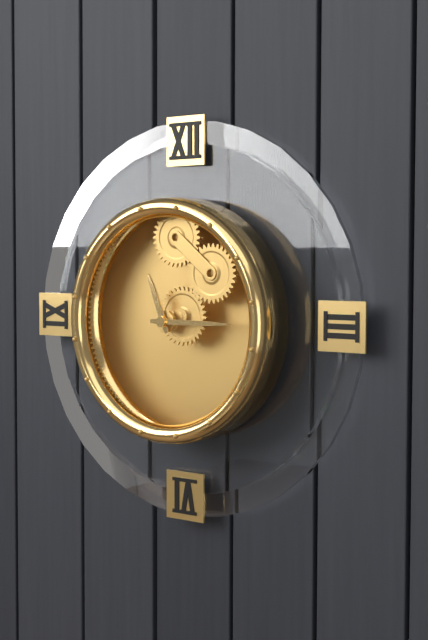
11:15
